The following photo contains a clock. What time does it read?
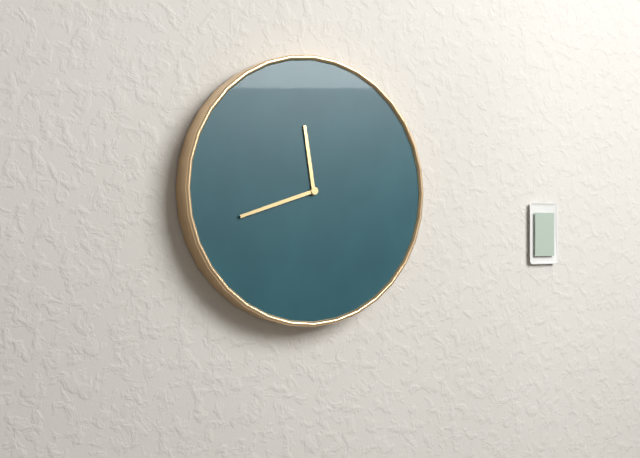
11:42
